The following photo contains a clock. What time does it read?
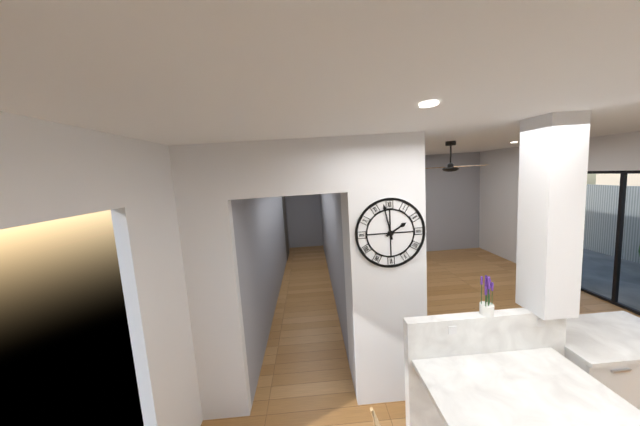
1:58
